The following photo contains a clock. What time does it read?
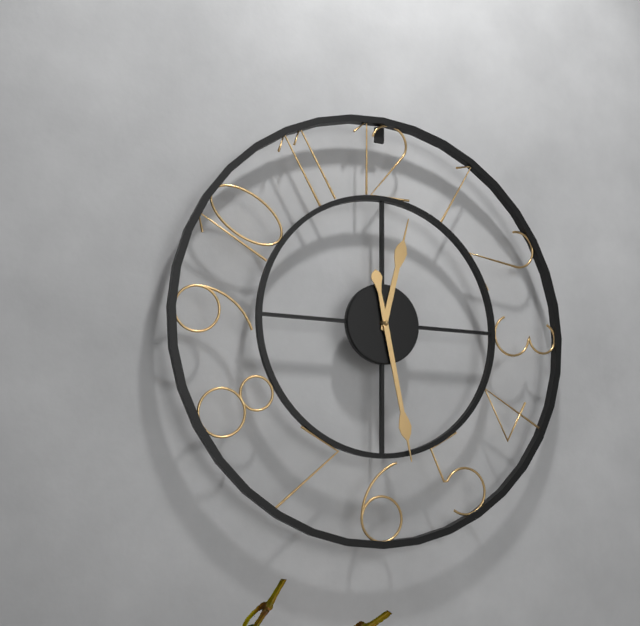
12:28
